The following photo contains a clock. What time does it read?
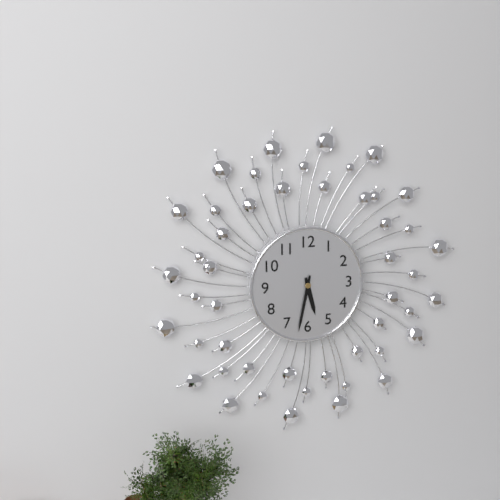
5:32
